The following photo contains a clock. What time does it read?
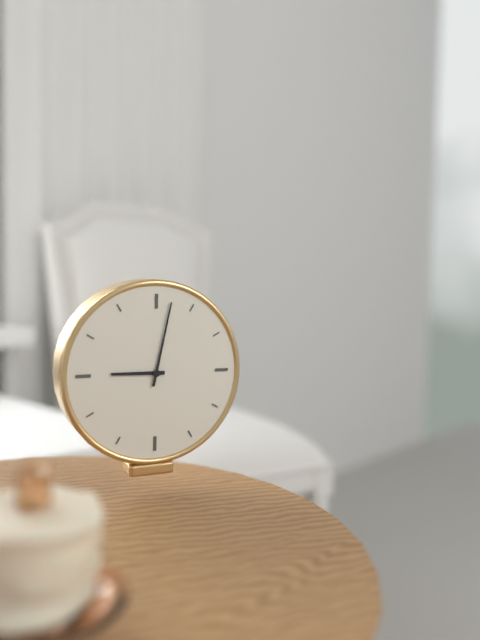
9:02
